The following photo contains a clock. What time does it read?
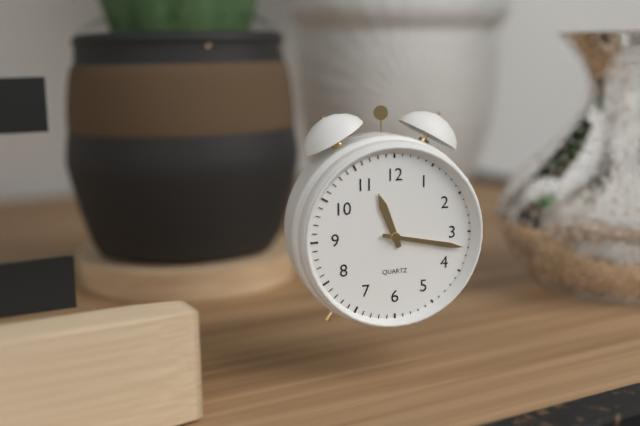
11:17
